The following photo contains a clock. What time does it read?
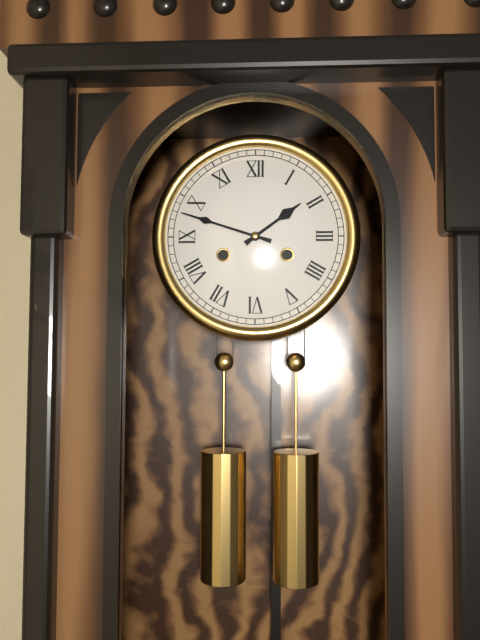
1:48
